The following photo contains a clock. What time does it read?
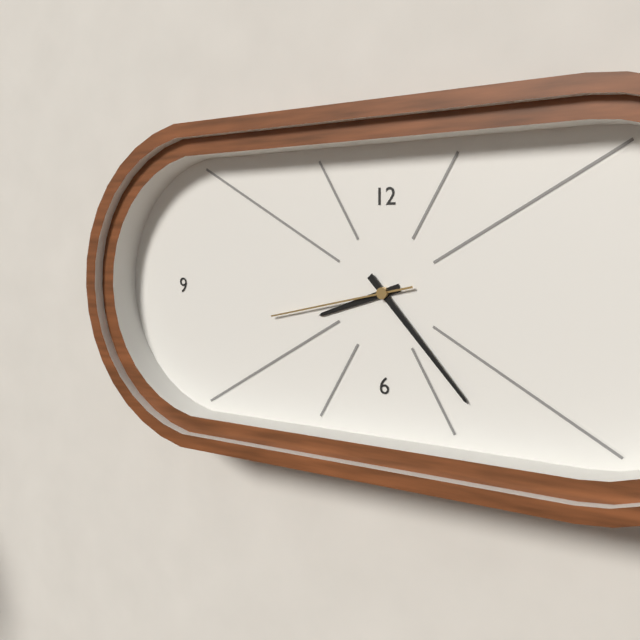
8:23:43
